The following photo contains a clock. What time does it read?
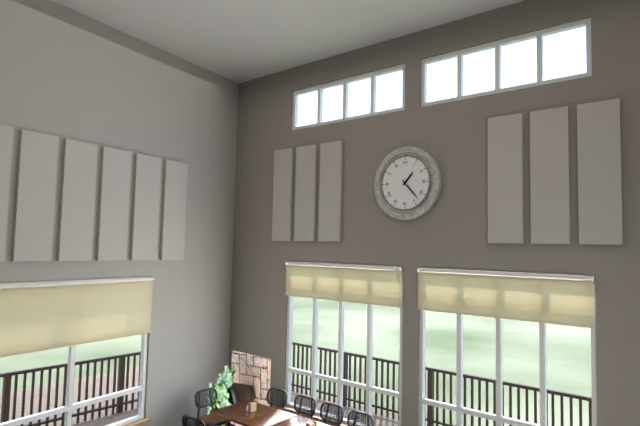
1:23
